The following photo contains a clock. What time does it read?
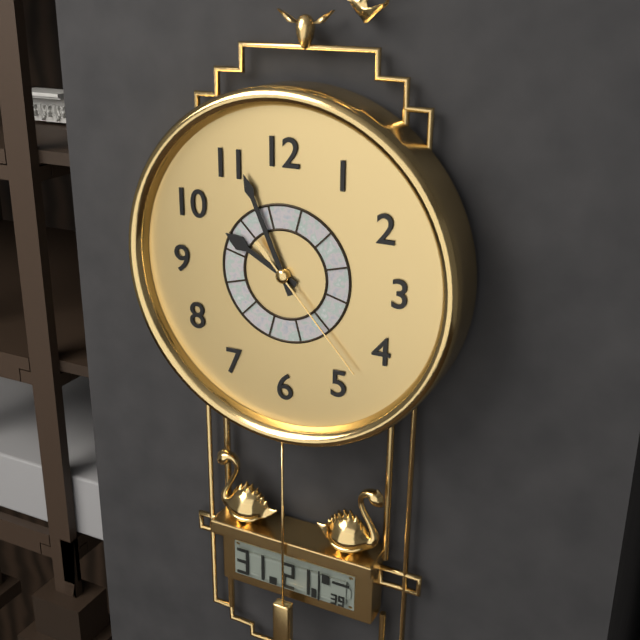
9:56:23
